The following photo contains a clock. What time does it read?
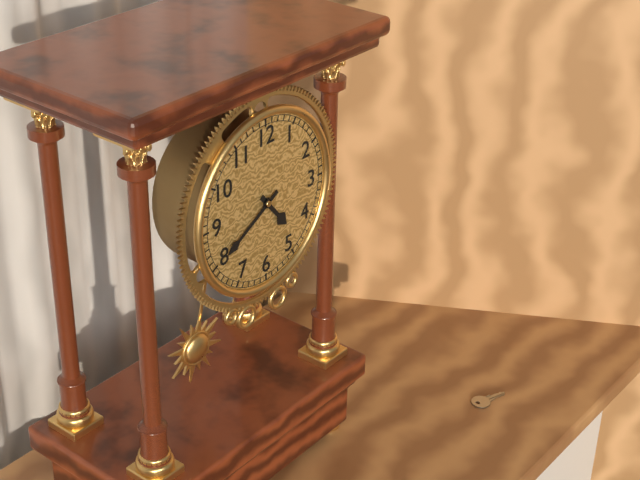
4:40
